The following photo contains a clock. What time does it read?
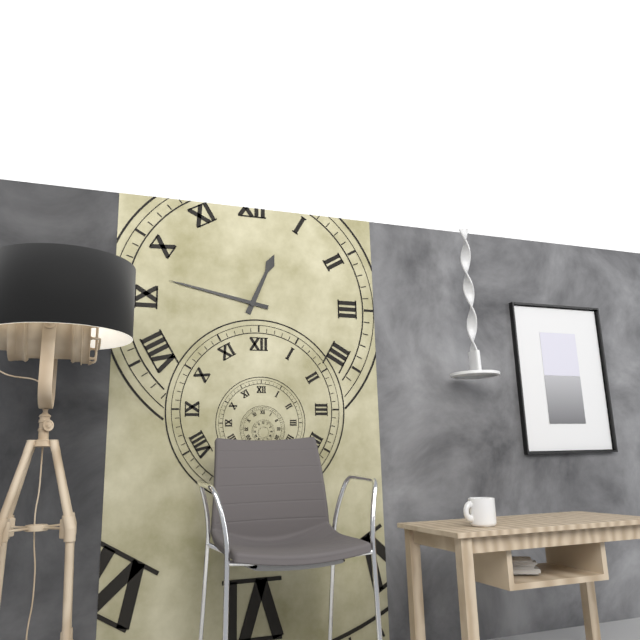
12:47
